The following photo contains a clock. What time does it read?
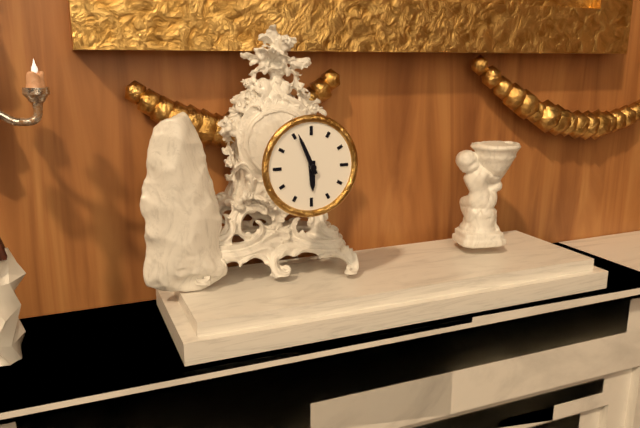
5:56
